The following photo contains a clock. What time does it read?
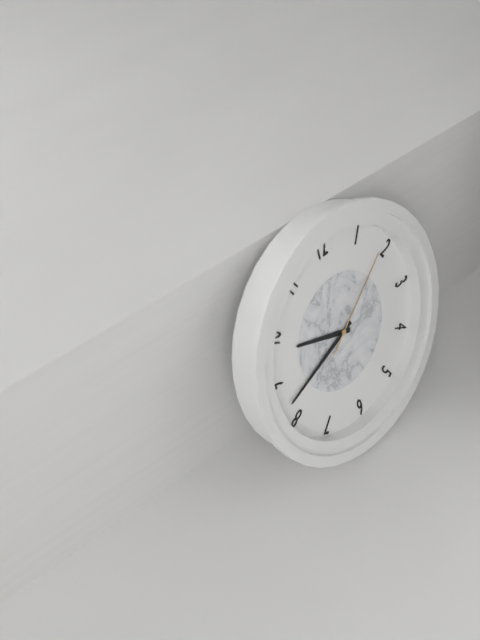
9:42:09
